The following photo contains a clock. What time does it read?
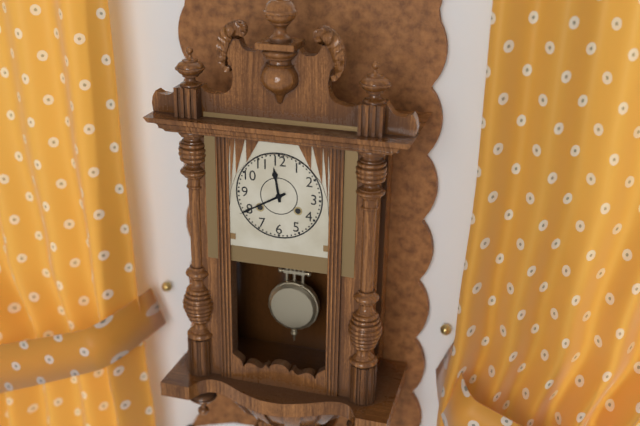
11:40
